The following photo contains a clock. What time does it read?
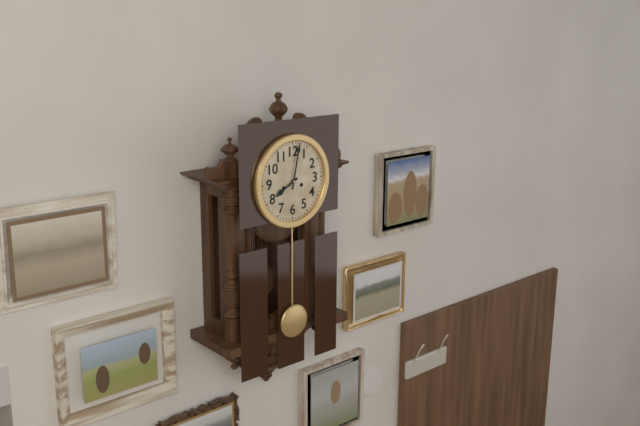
8:02
